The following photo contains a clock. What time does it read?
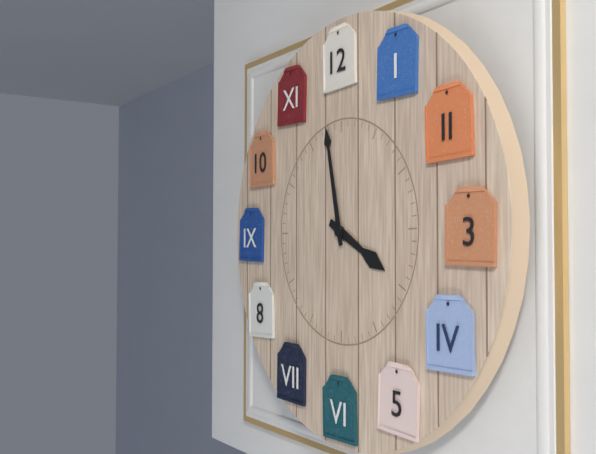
3:58
